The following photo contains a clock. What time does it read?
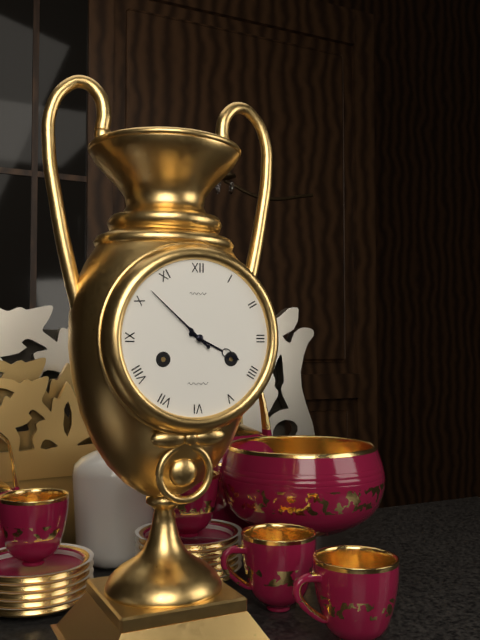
3:52
